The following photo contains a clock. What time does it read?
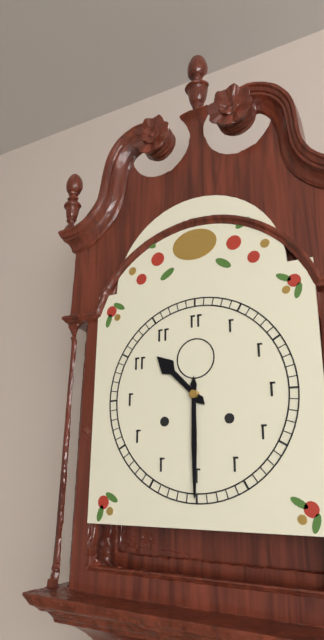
10:30
